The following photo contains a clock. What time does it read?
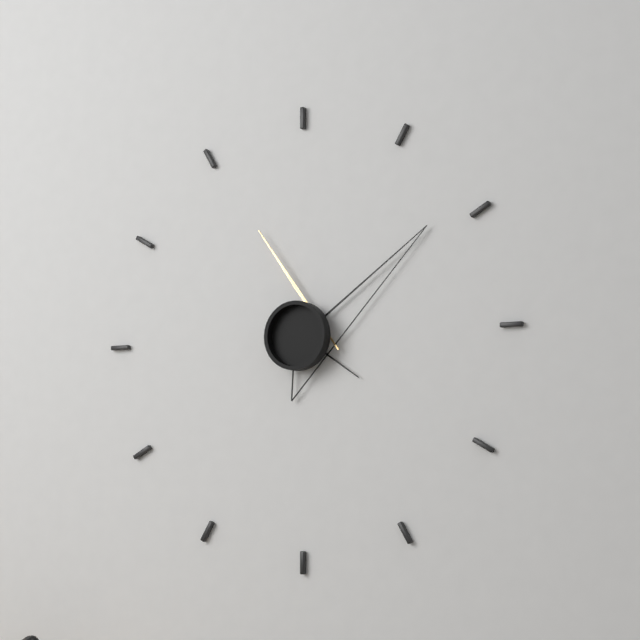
4:09:56
